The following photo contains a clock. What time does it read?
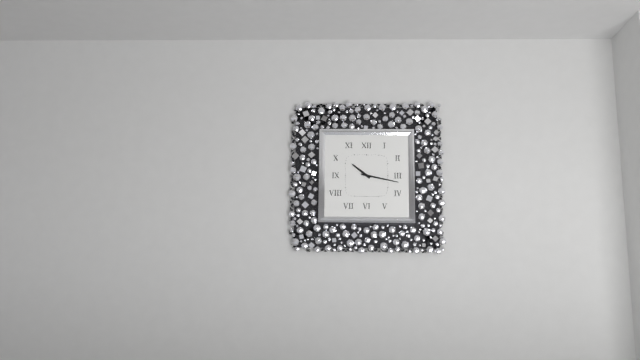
10:17
